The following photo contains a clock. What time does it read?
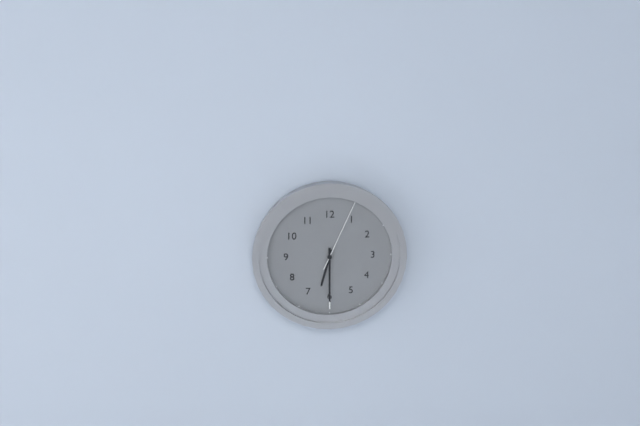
6:30:04
